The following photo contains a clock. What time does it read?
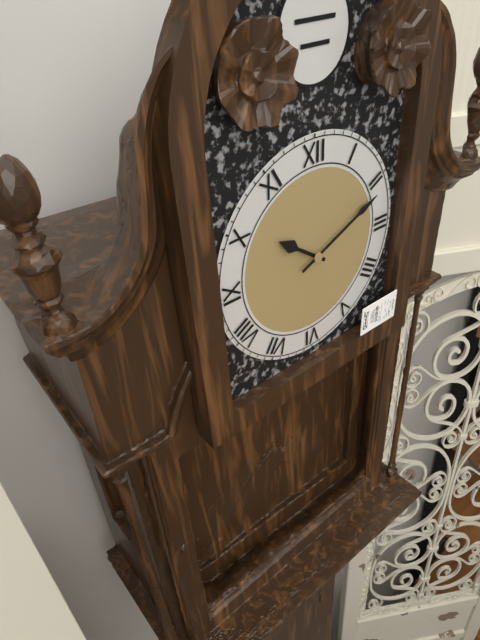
10:11
